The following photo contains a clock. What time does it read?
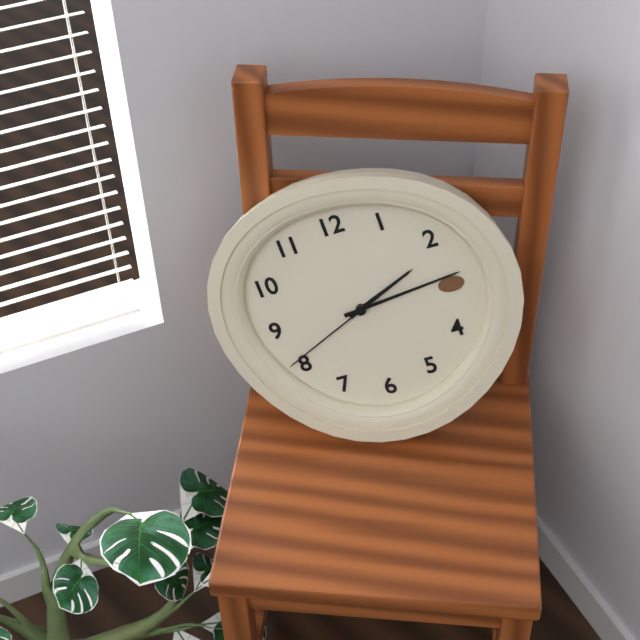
2:14:41
